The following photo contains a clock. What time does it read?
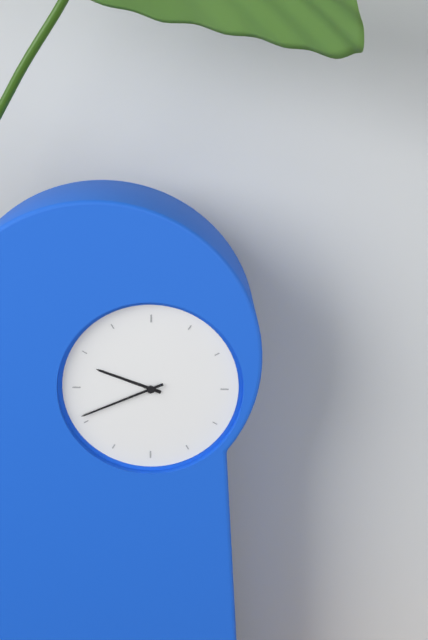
9:41
